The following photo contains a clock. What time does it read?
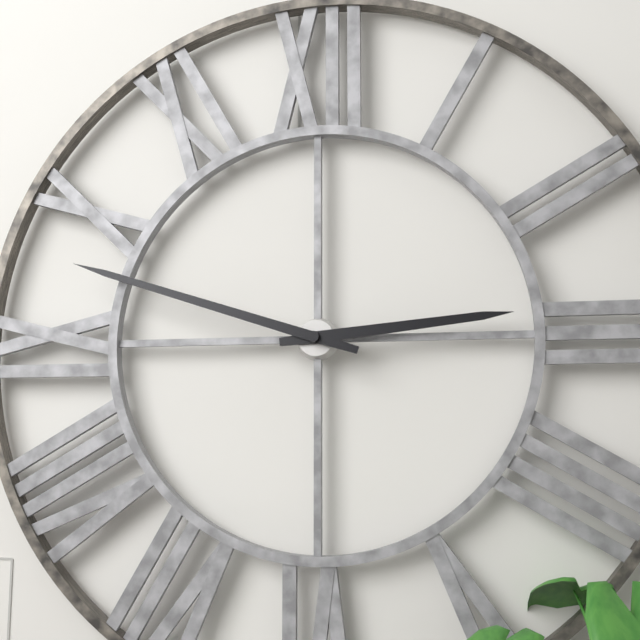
2:48
